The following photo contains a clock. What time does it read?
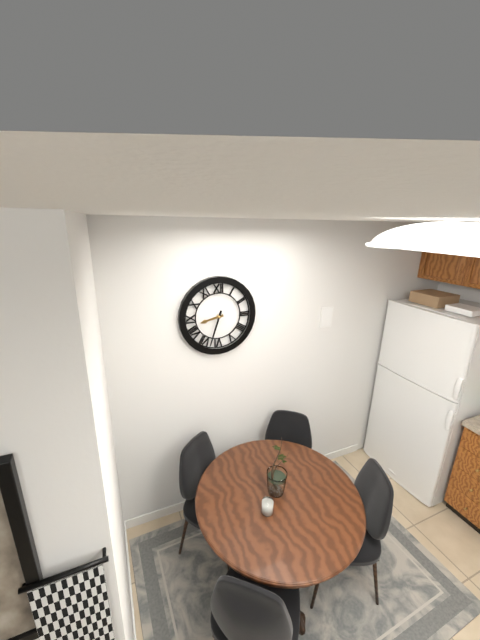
8:33
